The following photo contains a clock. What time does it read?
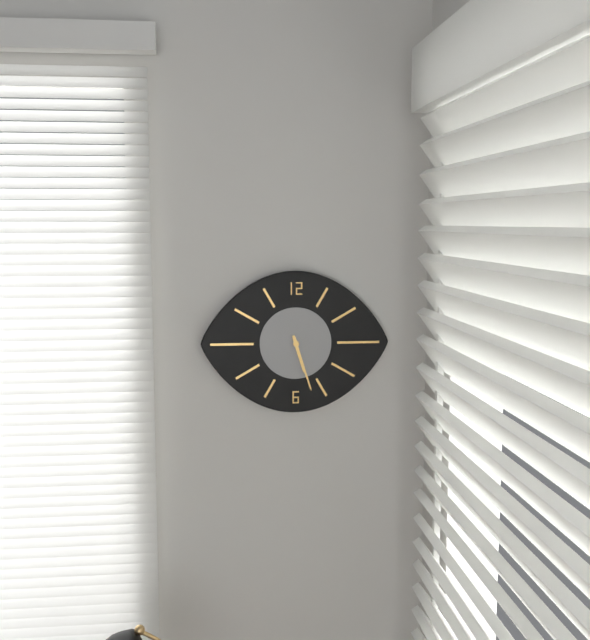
5:27
